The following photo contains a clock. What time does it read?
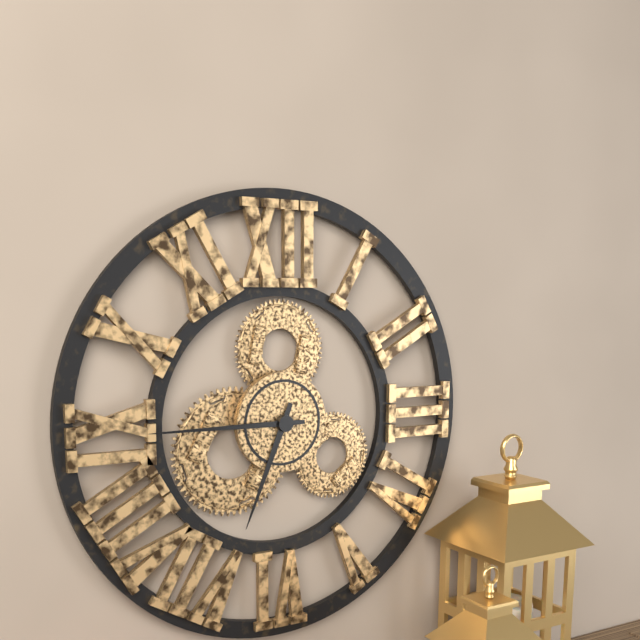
6:45
